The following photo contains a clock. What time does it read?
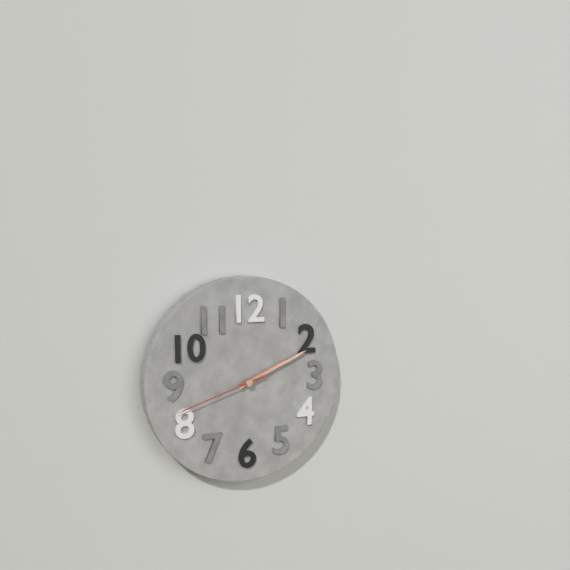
2:11:42
